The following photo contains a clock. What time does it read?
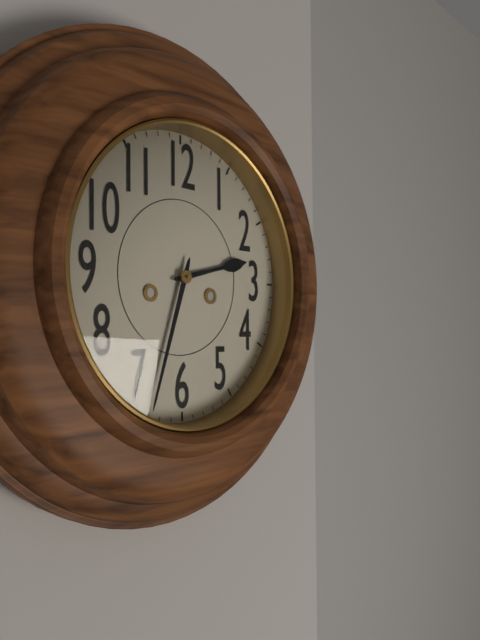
2:33
